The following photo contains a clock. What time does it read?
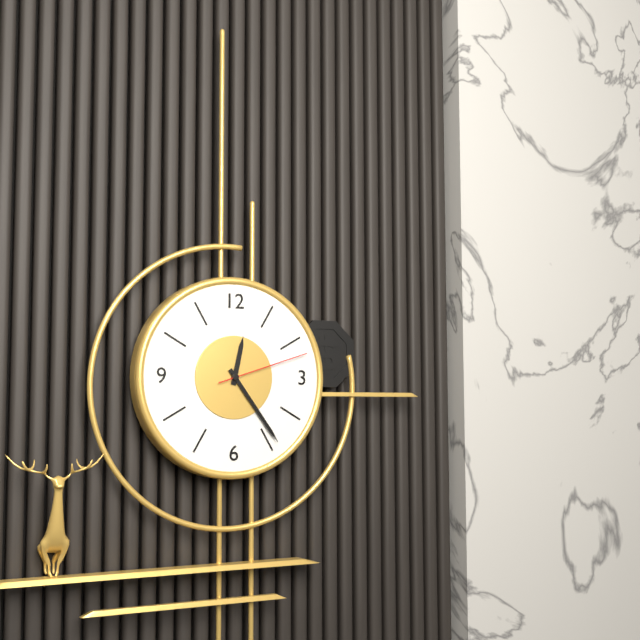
12:24:12
